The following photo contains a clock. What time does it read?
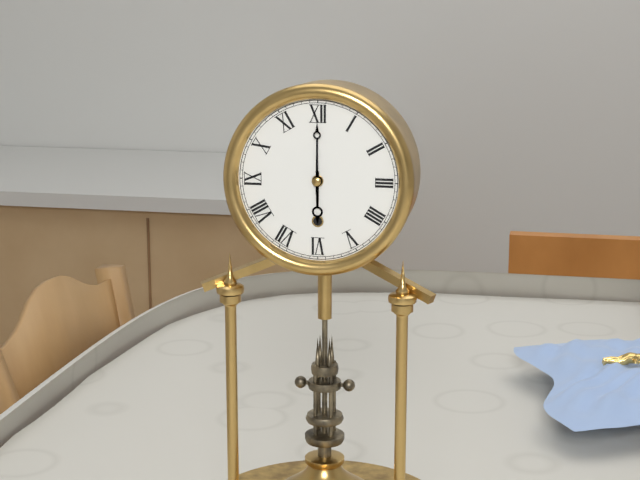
6:00
